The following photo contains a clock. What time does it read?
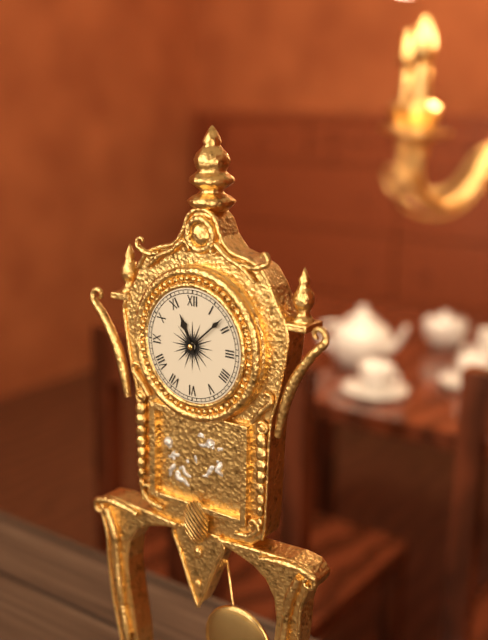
11:08
